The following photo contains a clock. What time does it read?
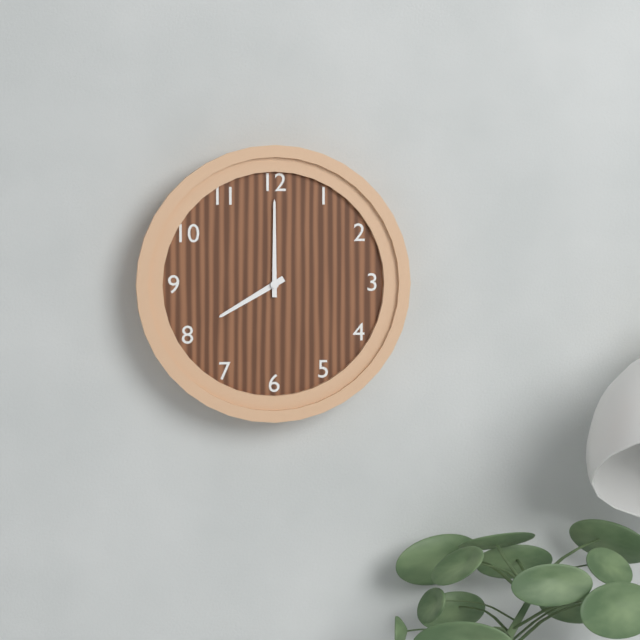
8:00
